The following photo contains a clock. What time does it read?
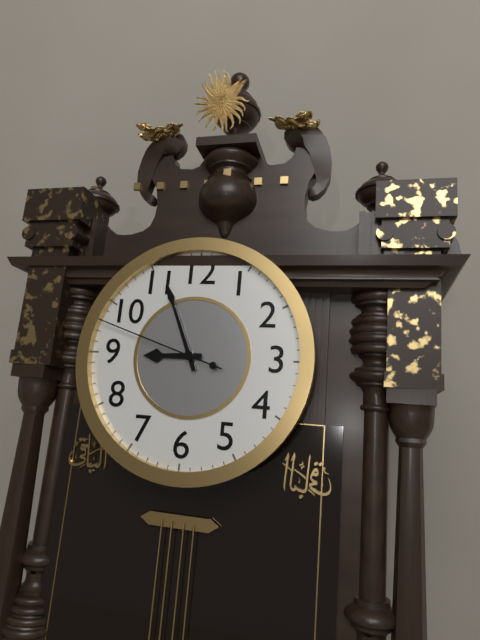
8:56:48
